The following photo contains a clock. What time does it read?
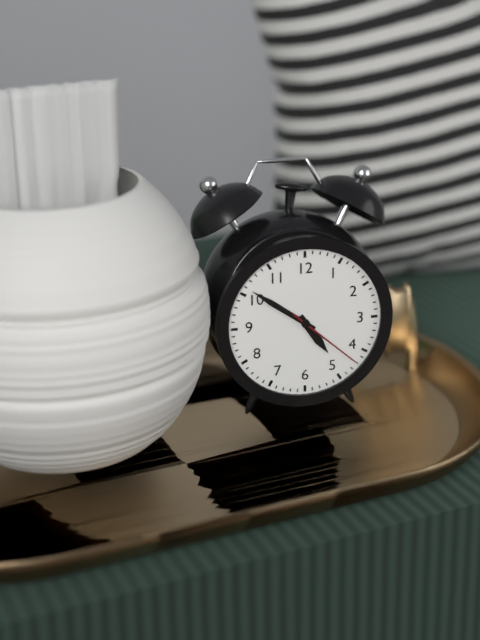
4:51:22
